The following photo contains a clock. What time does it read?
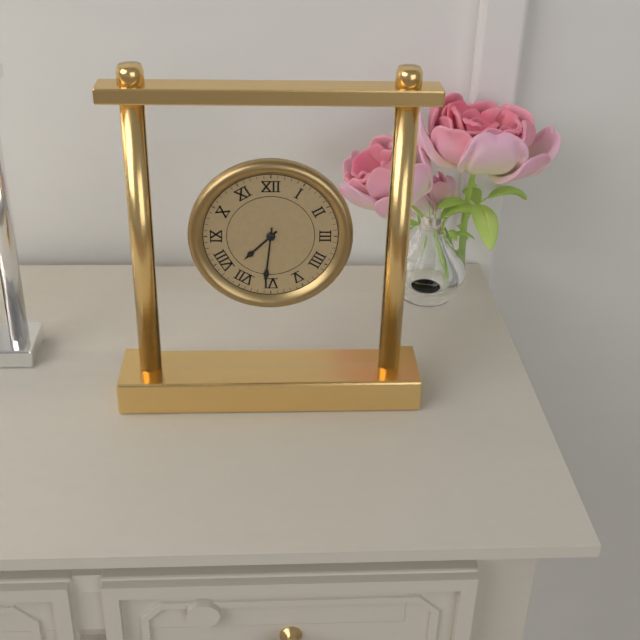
7:31
